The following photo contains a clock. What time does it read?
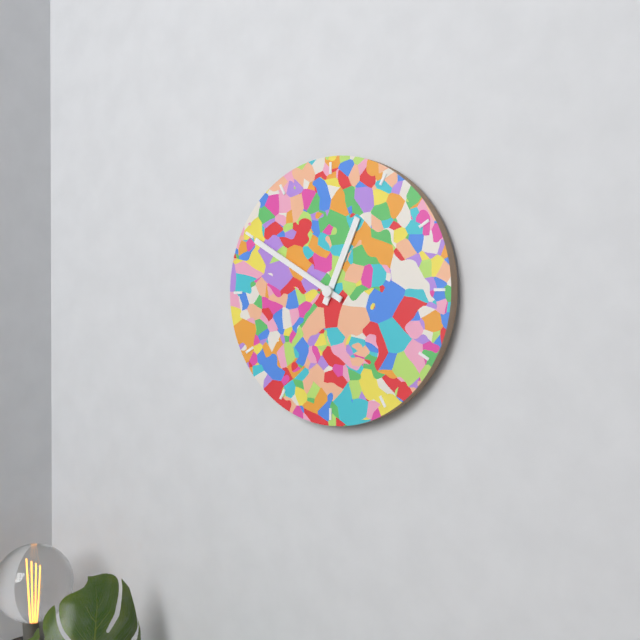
12:50
